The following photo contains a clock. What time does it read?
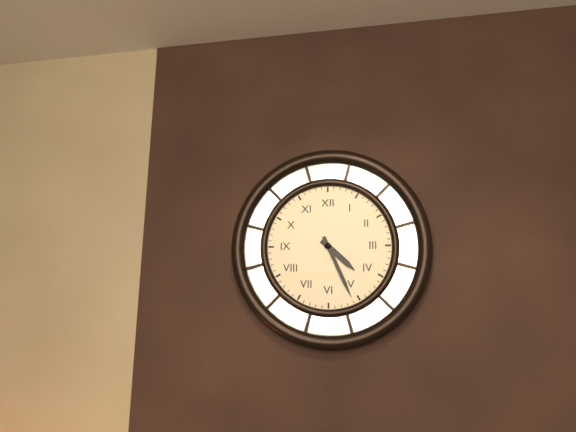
4:26
